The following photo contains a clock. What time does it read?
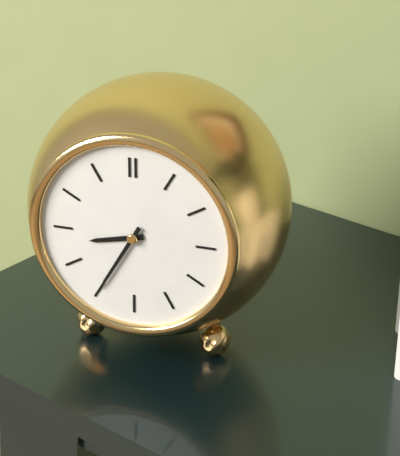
8:35
